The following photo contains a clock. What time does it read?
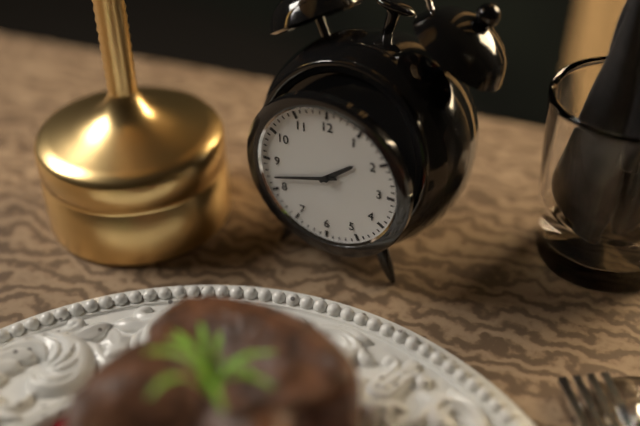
1:42
